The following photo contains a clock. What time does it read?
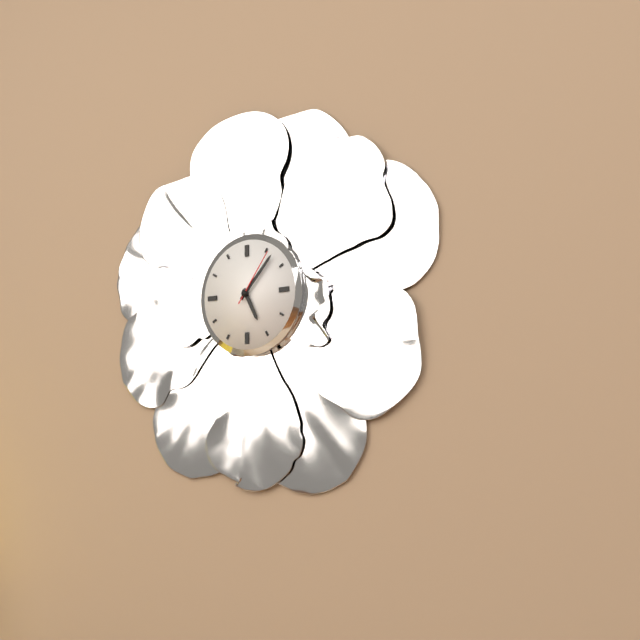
5:07:06
